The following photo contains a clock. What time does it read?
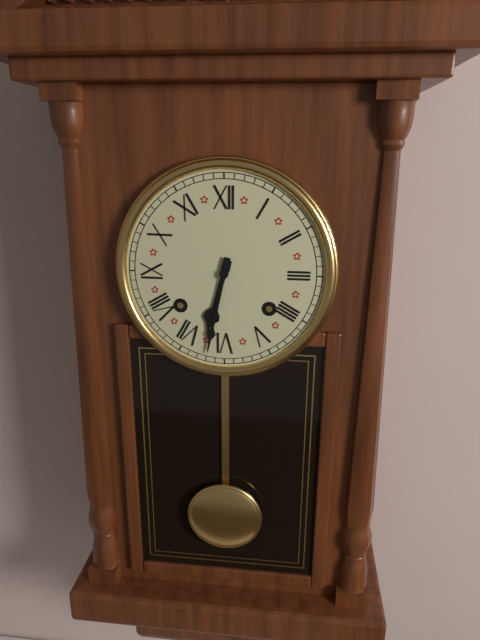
6:32
